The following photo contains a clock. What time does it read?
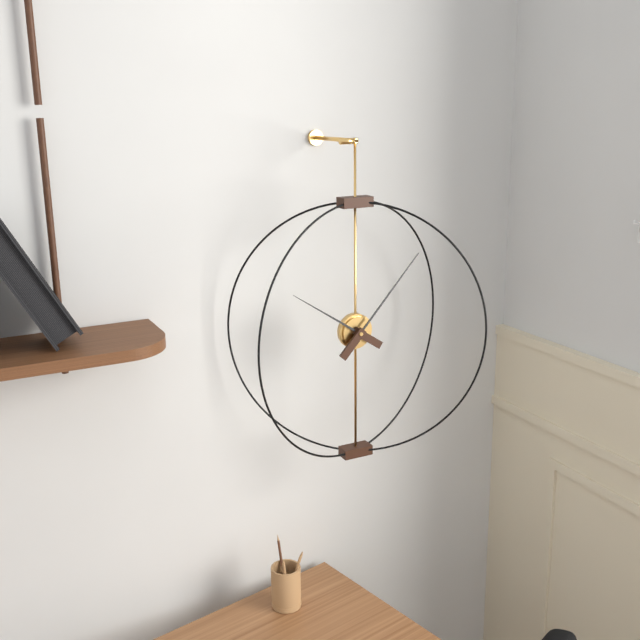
10:07
